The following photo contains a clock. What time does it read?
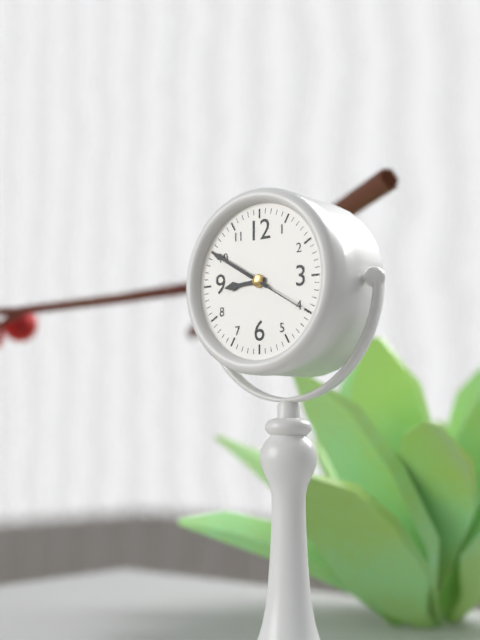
8:50:20
